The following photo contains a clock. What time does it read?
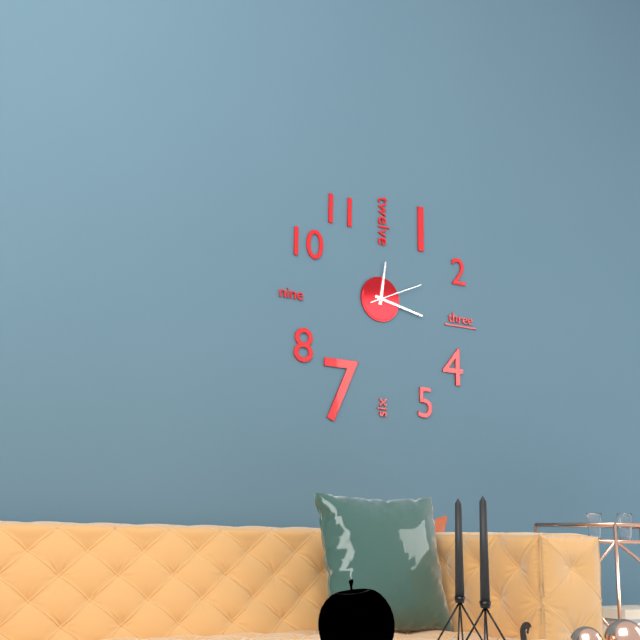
12:17:11
